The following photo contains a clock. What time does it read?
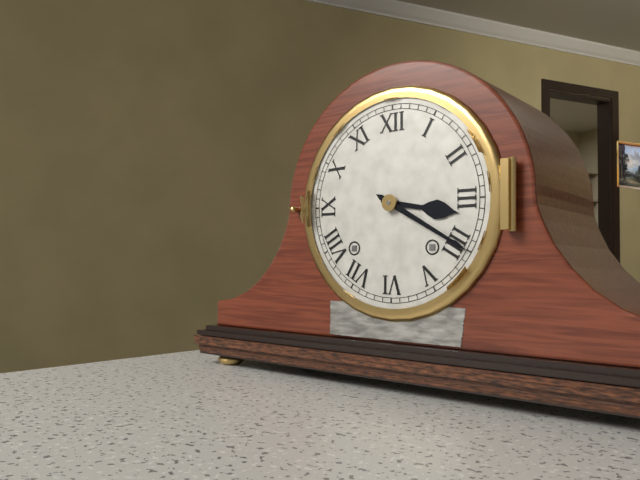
3:20
